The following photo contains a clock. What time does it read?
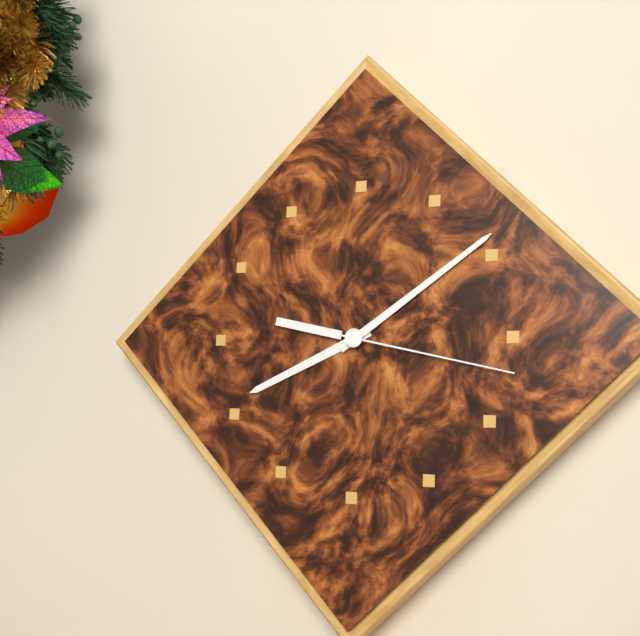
8:09:17
